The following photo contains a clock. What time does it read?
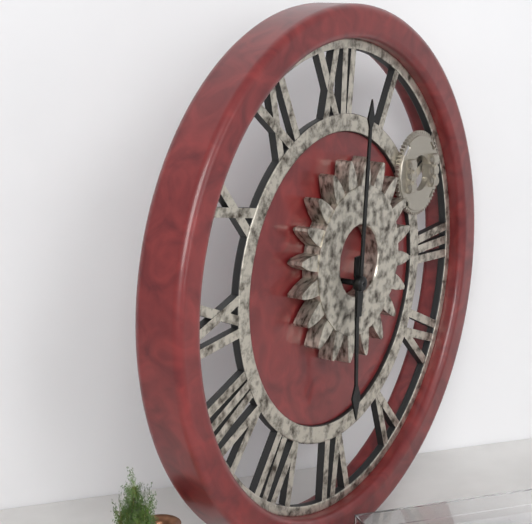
6:01
